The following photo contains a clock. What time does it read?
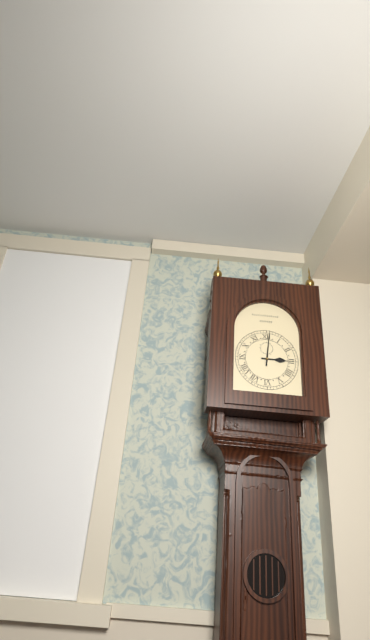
3:01
